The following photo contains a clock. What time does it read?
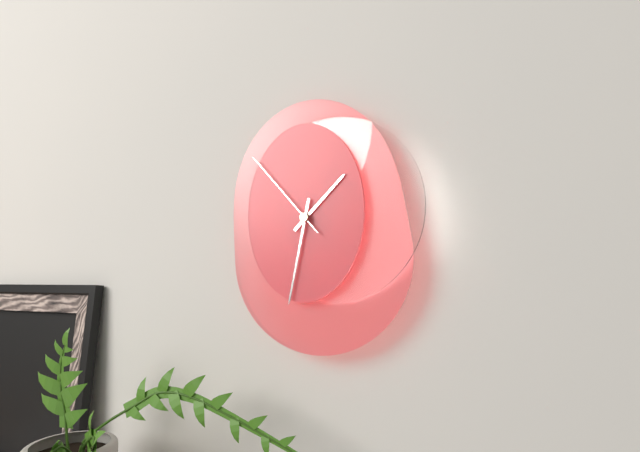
1:32:53
